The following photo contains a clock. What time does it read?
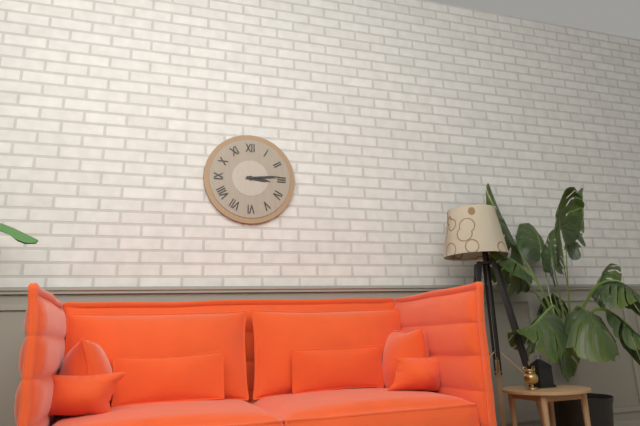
3:14
